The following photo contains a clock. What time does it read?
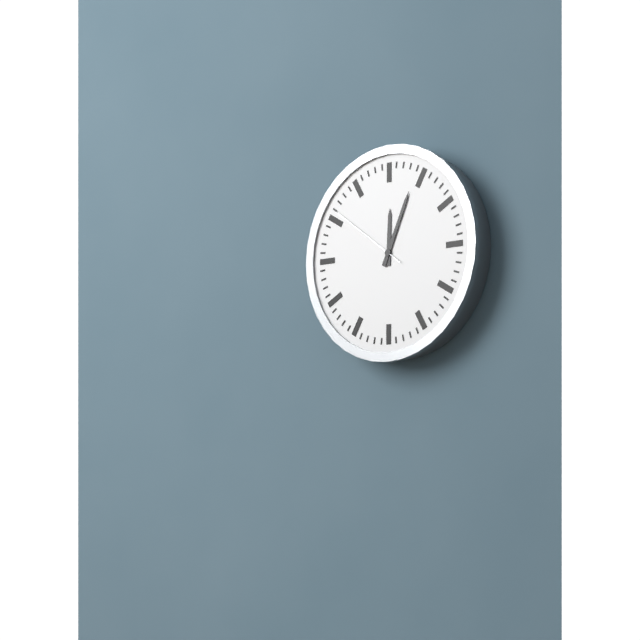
12:04:51
